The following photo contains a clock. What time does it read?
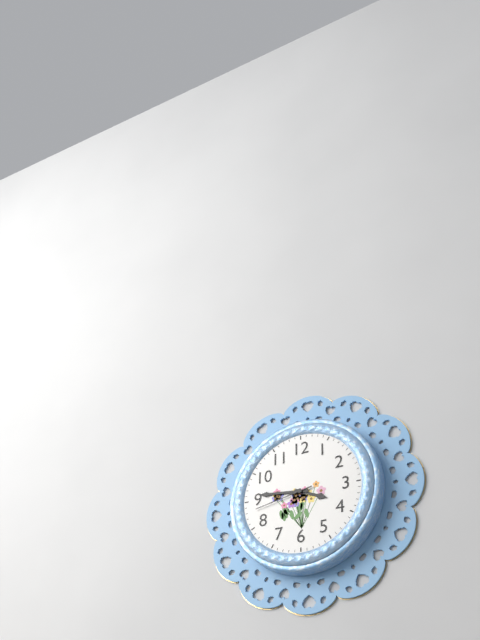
3:46:43
